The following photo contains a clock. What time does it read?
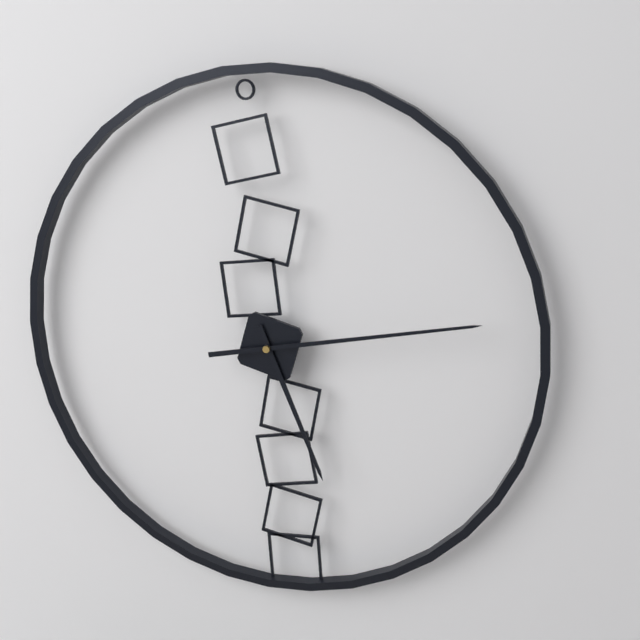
5:13
